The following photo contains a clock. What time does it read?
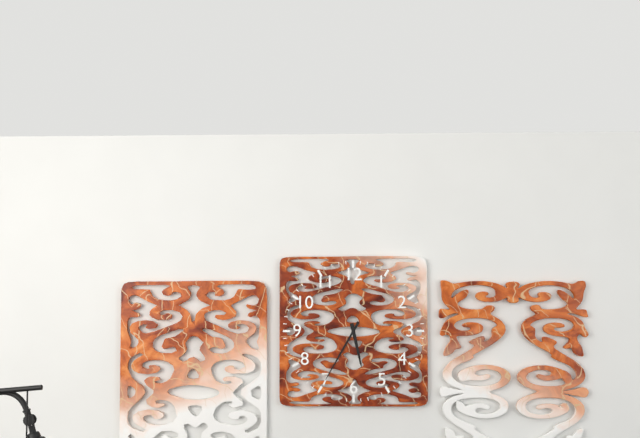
5:35
